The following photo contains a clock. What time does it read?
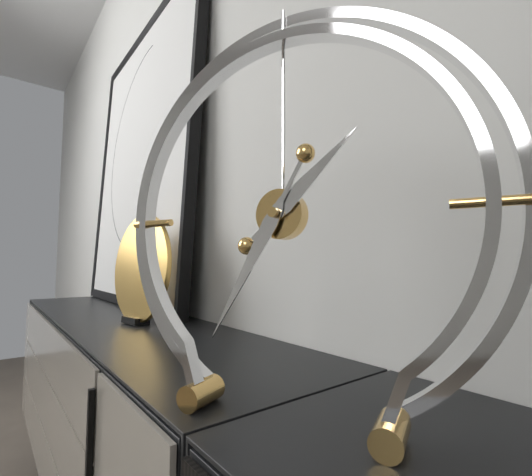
1:35
